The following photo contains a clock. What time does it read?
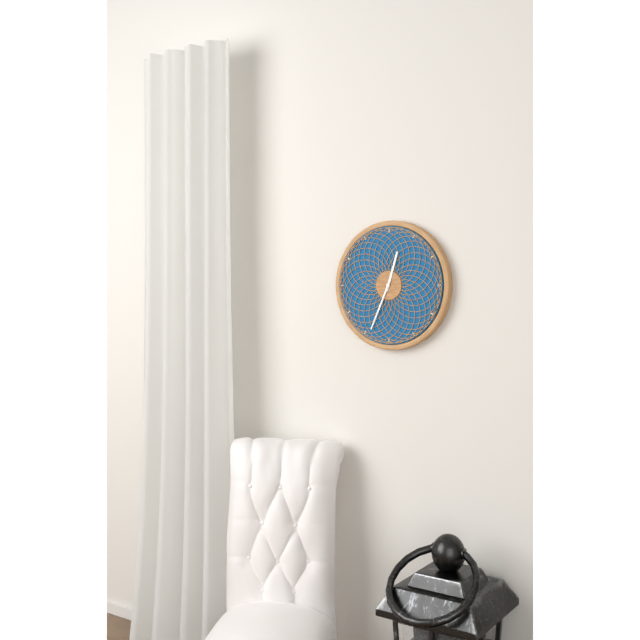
12:34
